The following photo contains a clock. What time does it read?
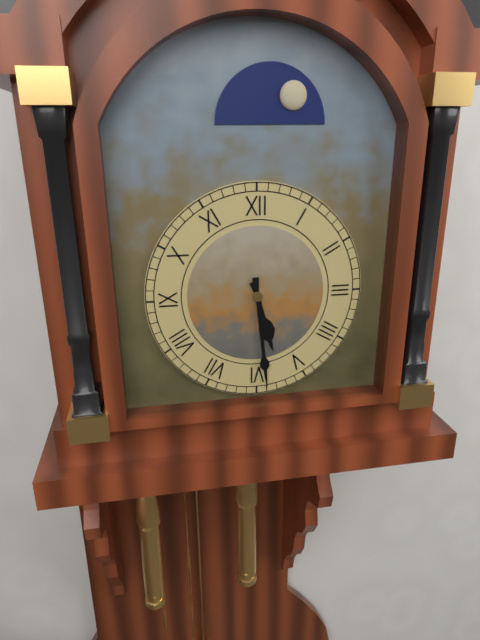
5:29
